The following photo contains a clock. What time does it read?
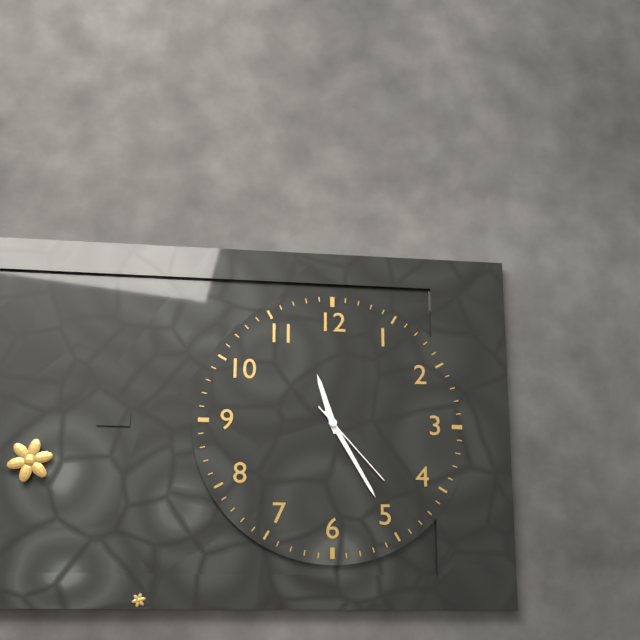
11:25:23
